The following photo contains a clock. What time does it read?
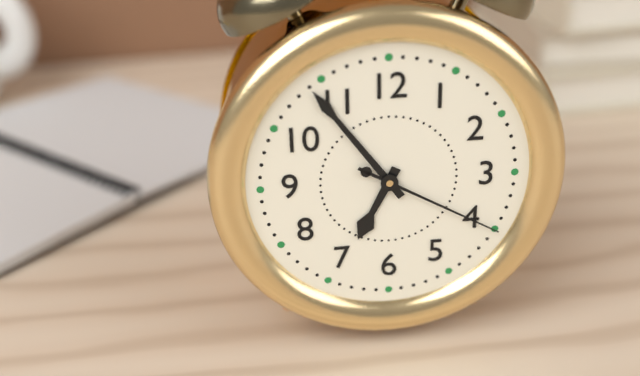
6:54:20
